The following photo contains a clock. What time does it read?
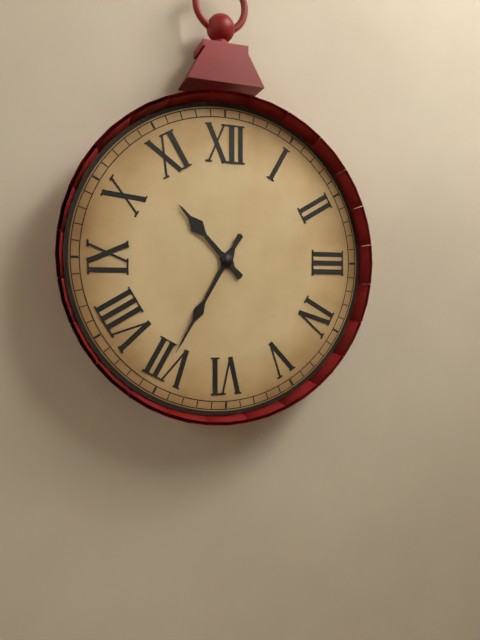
10:35
